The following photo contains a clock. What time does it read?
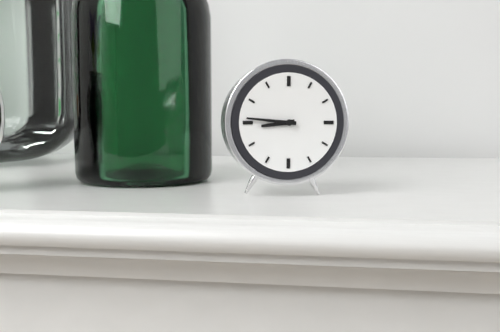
8:46
